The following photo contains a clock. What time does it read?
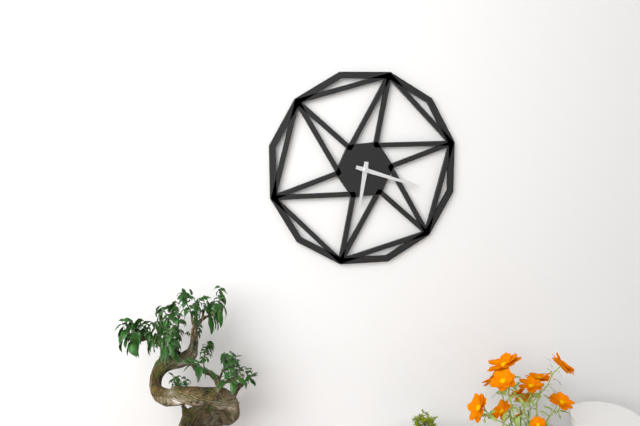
6:18
